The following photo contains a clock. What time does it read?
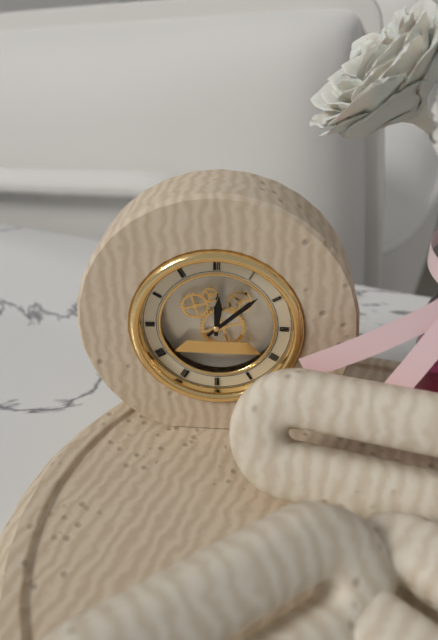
12:08
